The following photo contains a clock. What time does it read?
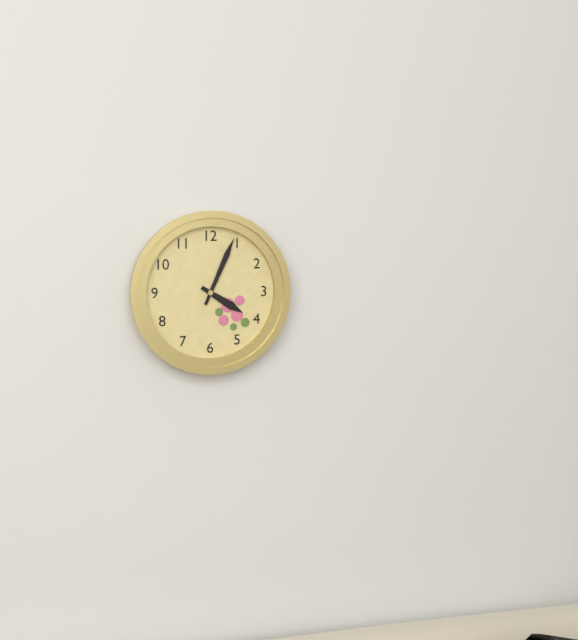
4:04
